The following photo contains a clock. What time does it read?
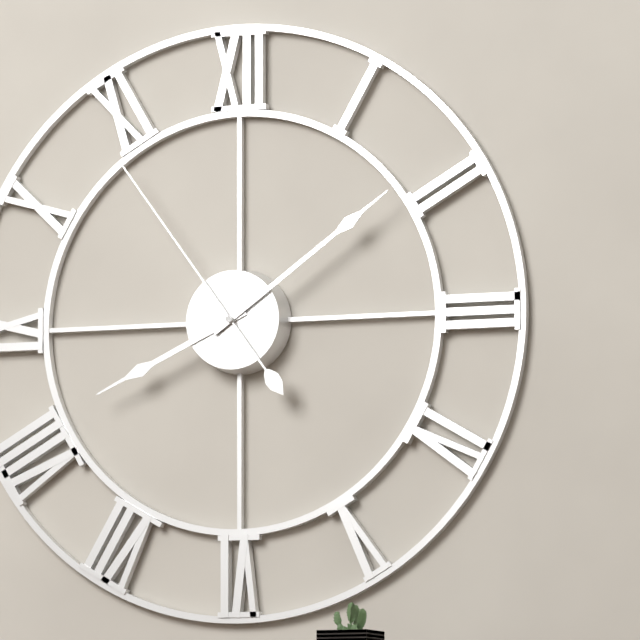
8:09:54
